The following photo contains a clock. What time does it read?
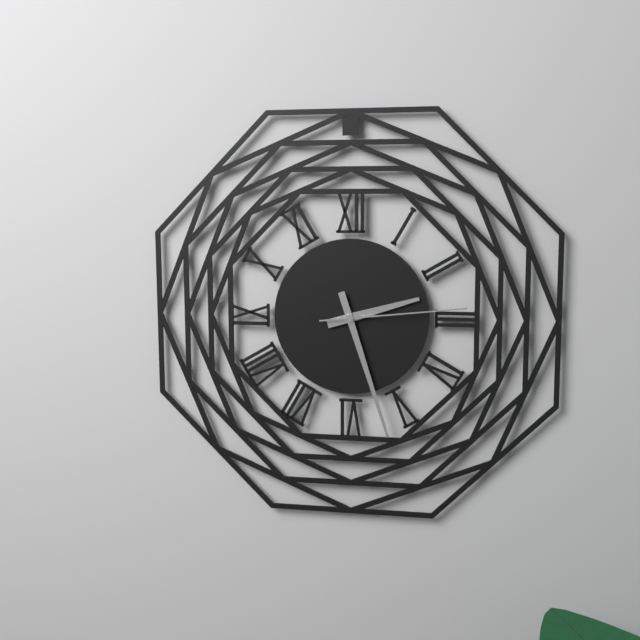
2:27:14
